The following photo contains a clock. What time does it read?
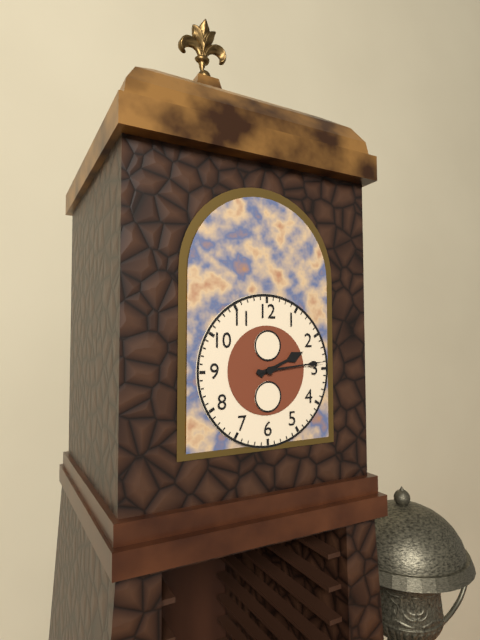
2:14
